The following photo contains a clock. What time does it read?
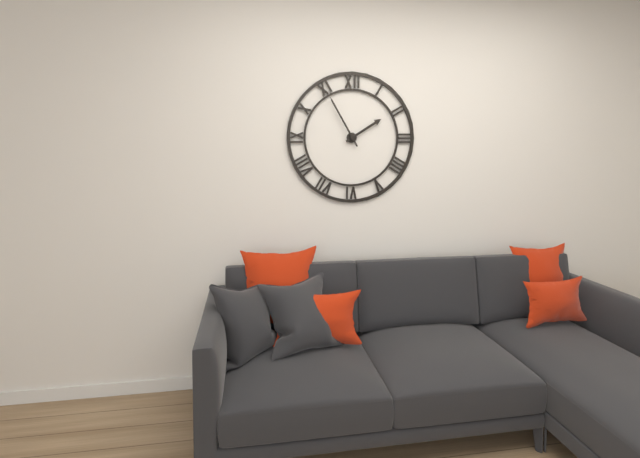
1:55
